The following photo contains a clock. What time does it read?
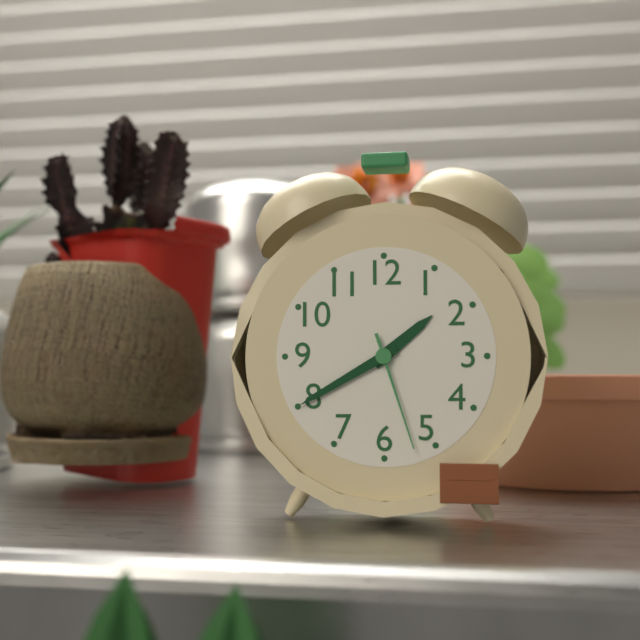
1:40:27
